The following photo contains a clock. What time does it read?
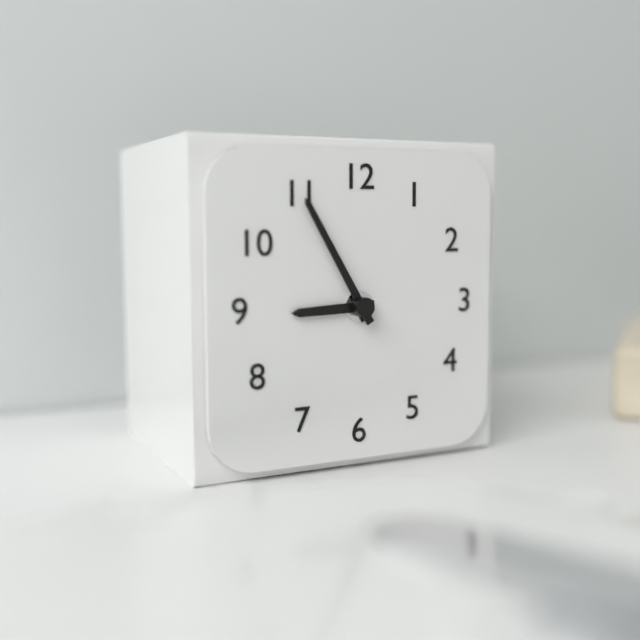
8:55
